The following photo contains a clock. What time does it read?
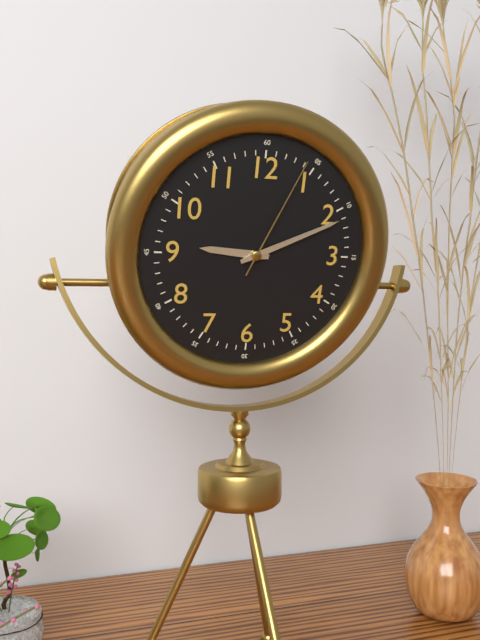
9:11:04
